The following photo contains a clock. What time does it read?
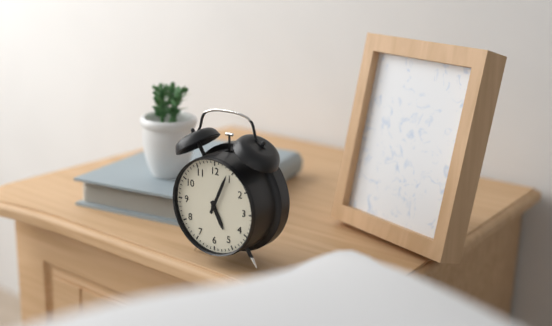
5:04
